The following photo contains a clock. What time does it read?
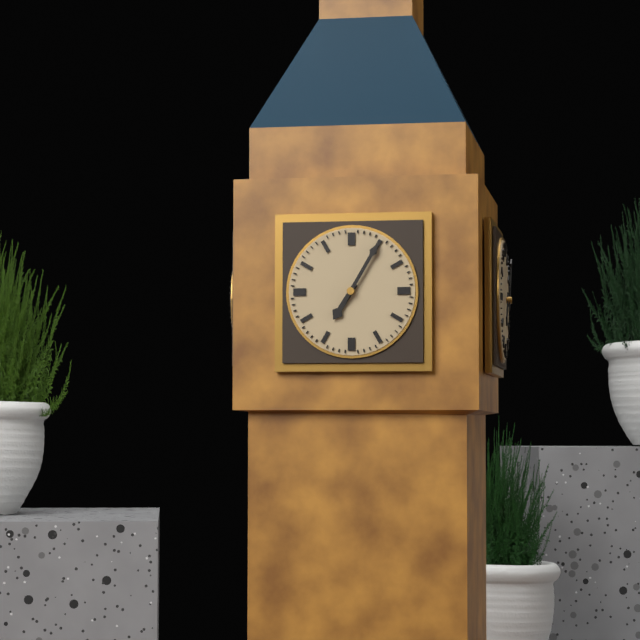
7:05
